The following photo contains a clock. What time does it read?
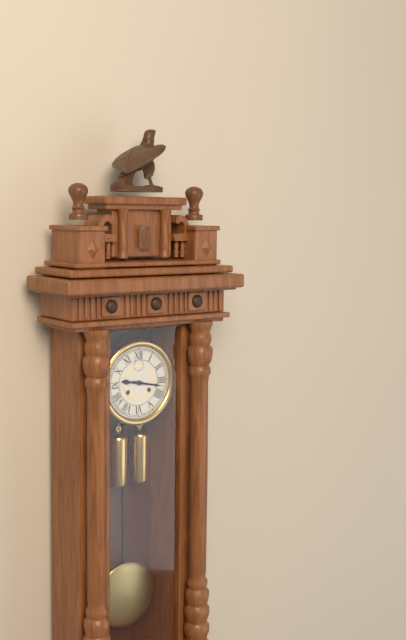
9:17
